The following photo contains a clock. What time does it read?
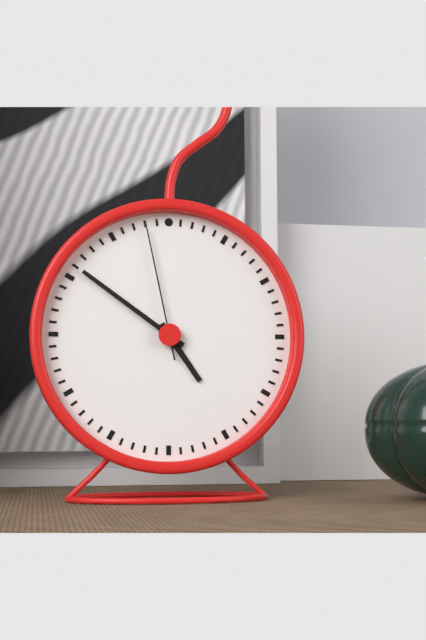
4:51:58
